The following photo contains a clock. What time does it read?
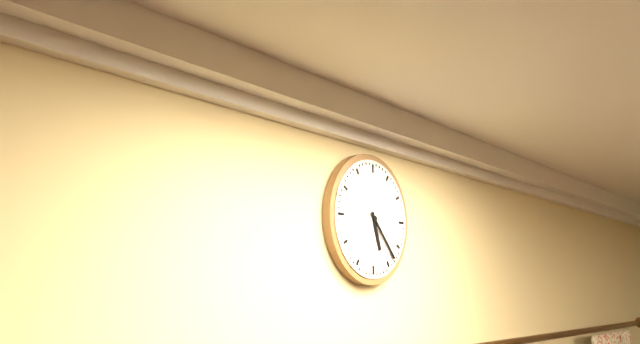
5:23
